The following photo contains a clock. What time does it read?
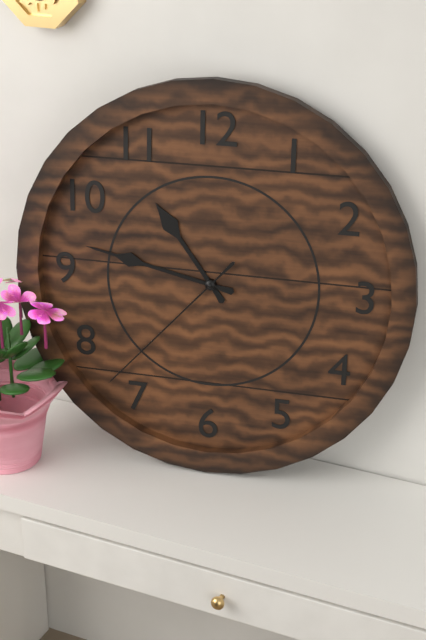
10:47:37
